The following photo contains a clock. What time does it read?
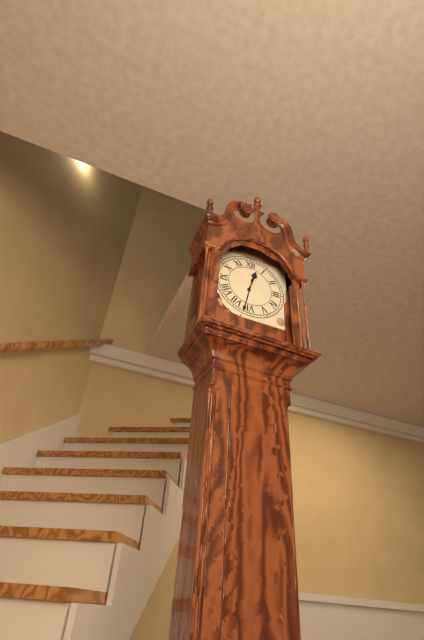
12:32
